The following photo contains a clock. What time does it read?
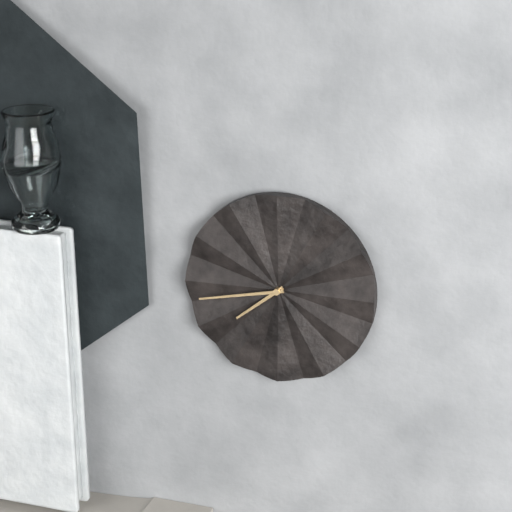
7:43
